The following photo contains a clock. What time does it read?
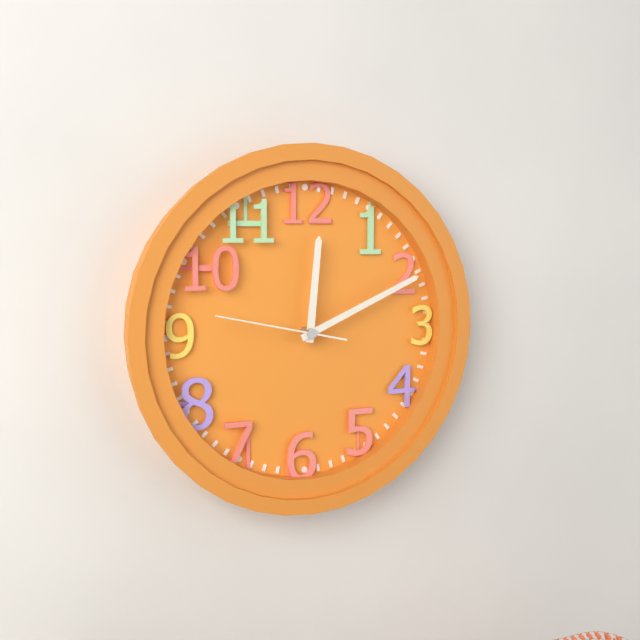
12:11:47
